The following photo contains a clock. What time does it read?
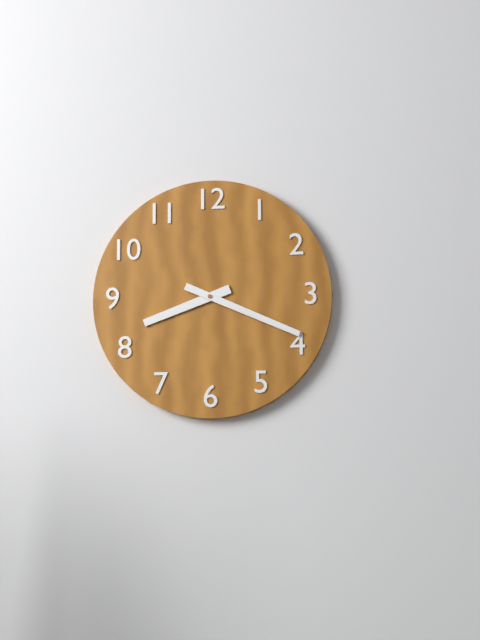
8:19
